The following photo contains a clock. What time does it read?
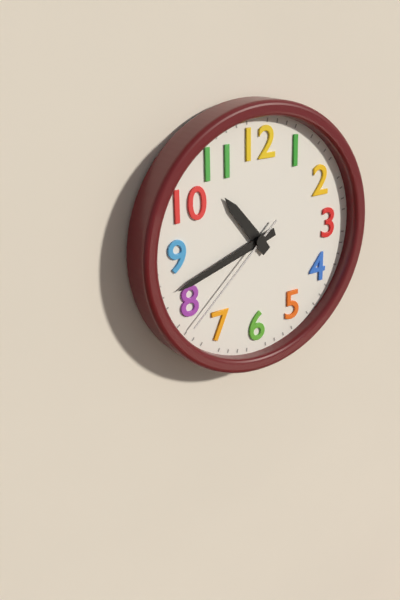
10:42:38
